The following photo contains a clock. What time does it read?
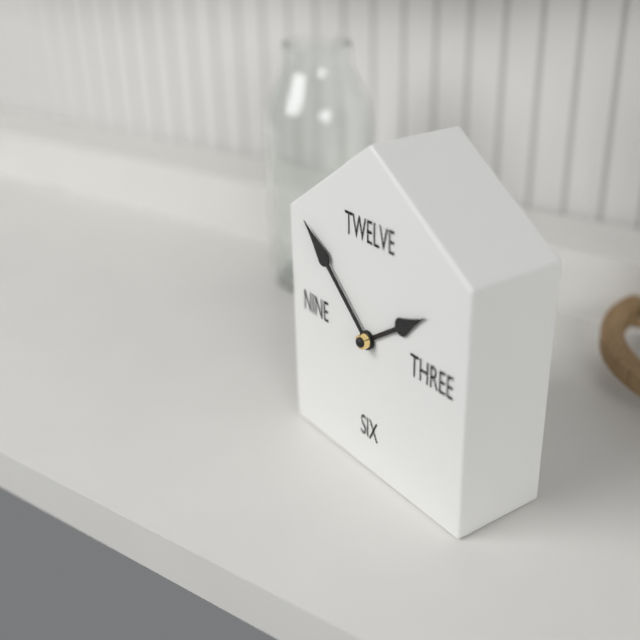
1:52
